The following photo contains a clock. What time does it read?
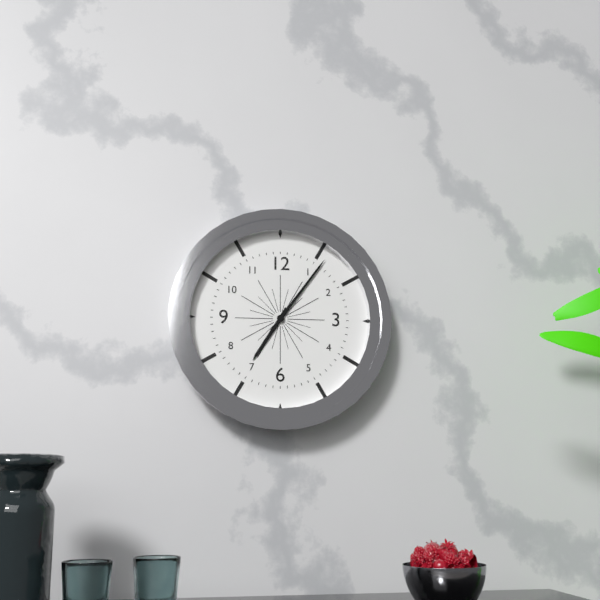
7:06
